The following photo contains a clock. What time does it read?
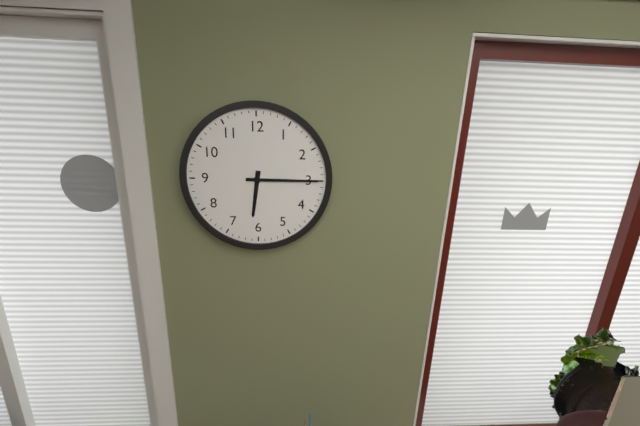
6:15
